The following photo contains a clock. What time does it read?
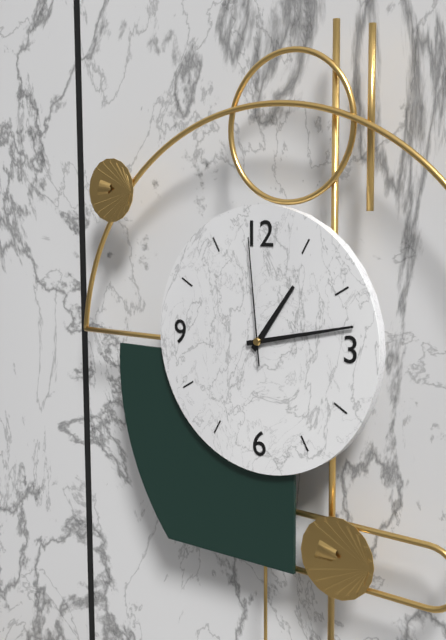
1:13:59
